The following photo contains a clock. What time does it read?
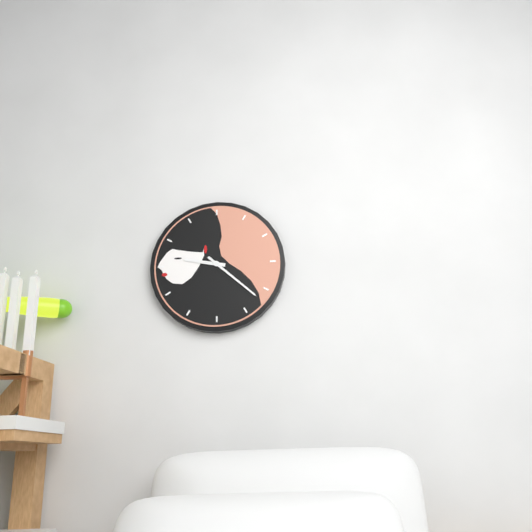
9:22
